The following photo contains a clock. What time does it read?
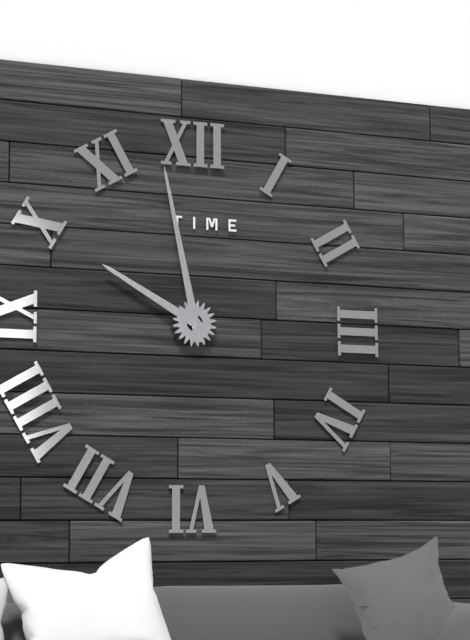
9:58
